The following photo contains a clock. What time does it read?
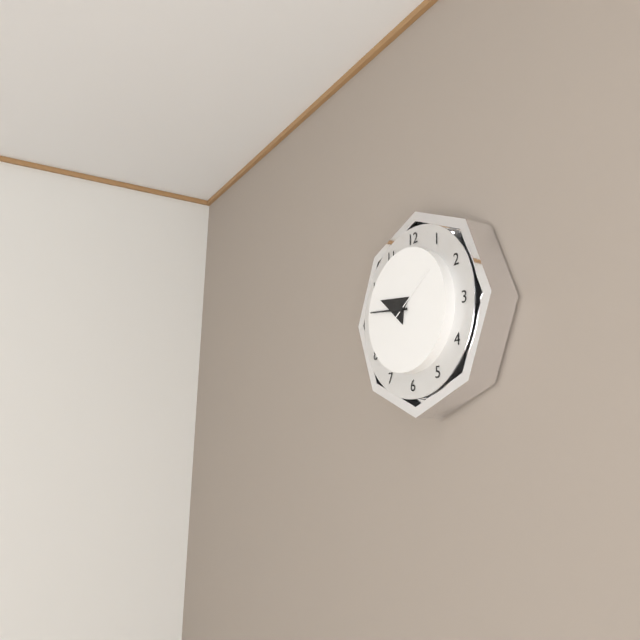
9:46:09
